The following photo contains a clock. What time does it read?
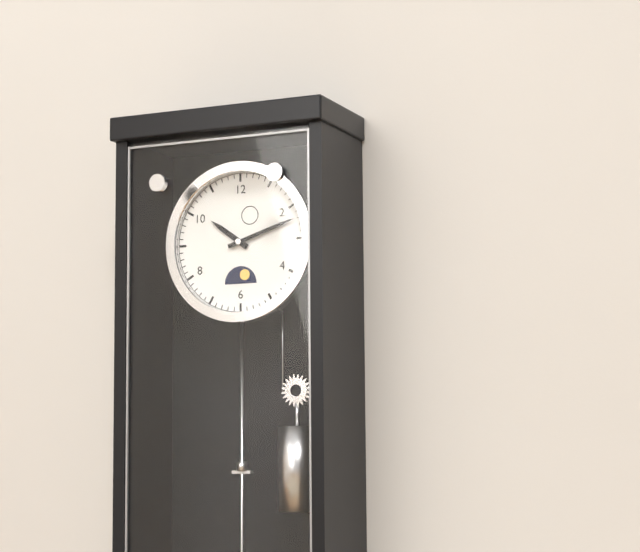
10:12
